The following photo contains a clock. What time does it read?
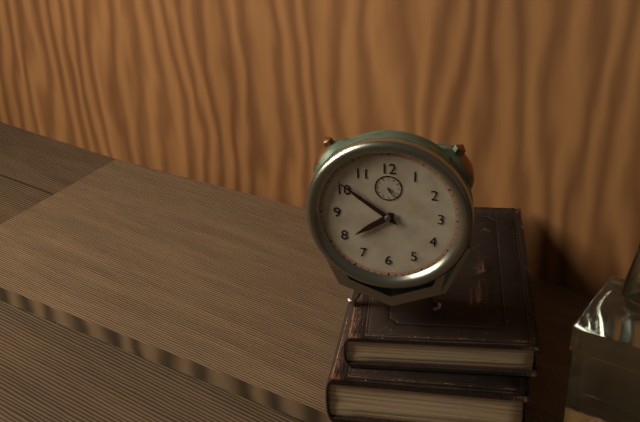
7:51
